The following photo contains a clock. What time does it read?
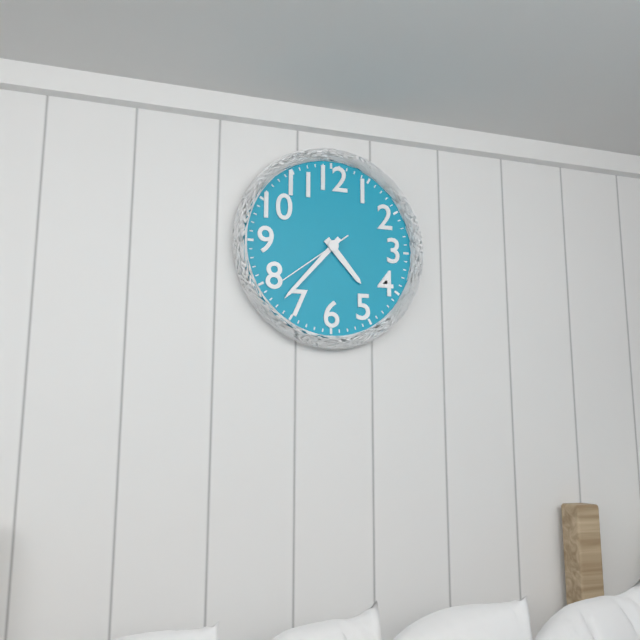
4:37:39
